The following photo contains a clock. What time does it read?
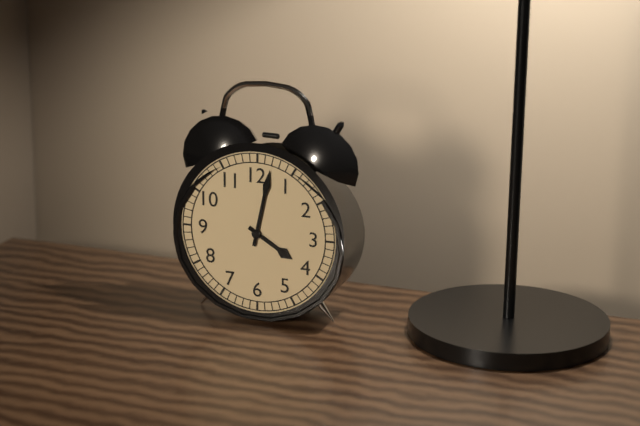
4:02
